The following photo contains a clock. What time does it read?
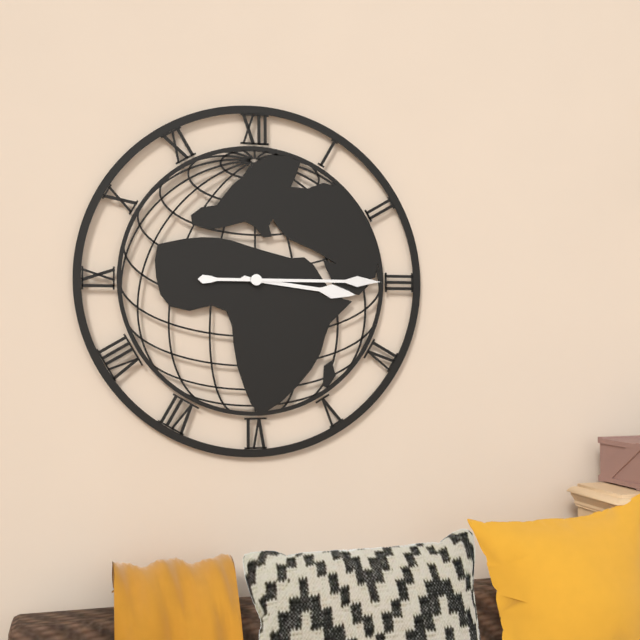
3:15
